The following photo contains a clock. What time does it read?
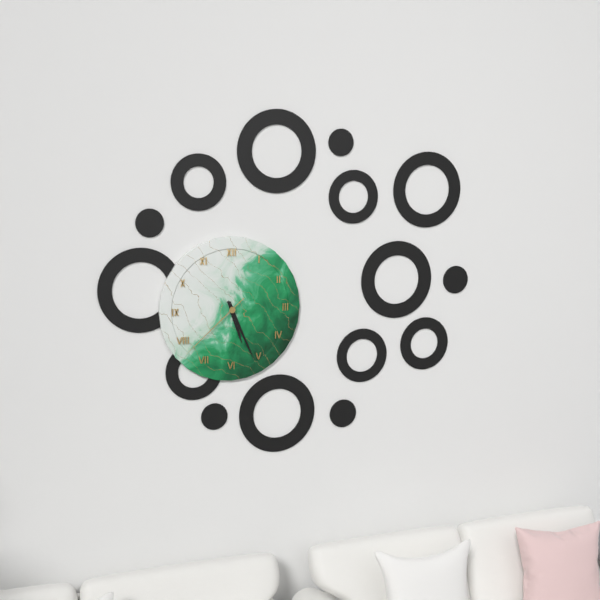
5:26:38
